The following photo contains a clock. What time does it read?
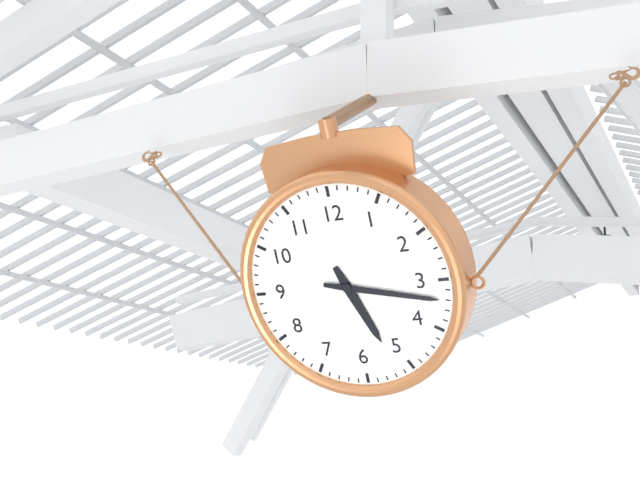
5:17
